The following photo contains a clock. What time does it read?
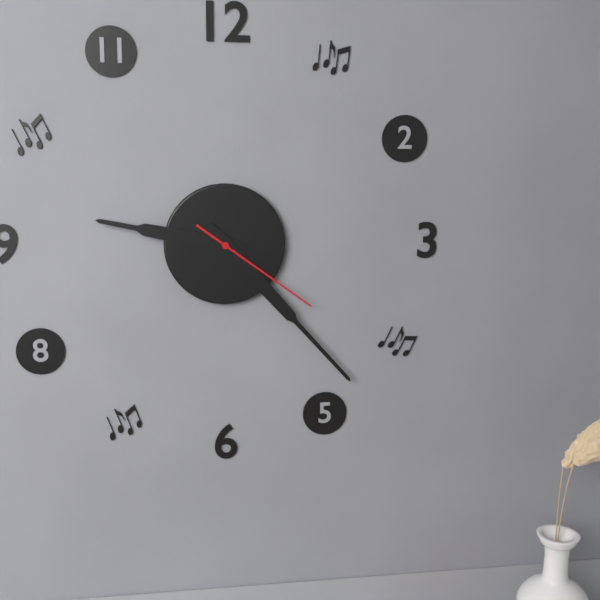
9:23:21
